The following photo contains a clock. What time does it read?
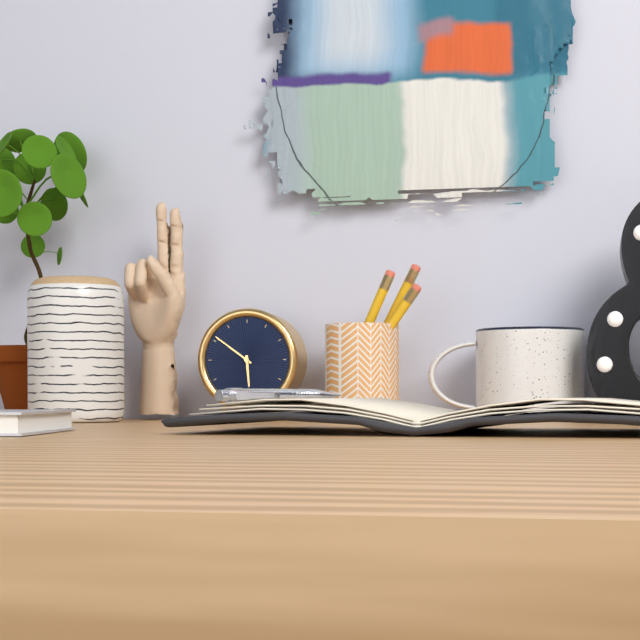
5:51
